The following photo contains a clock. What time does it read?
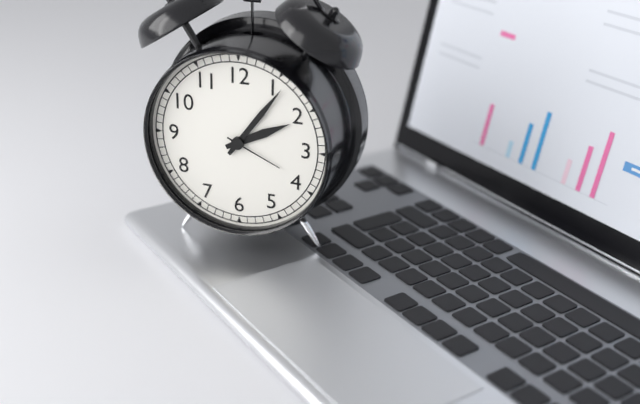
2:06:19
